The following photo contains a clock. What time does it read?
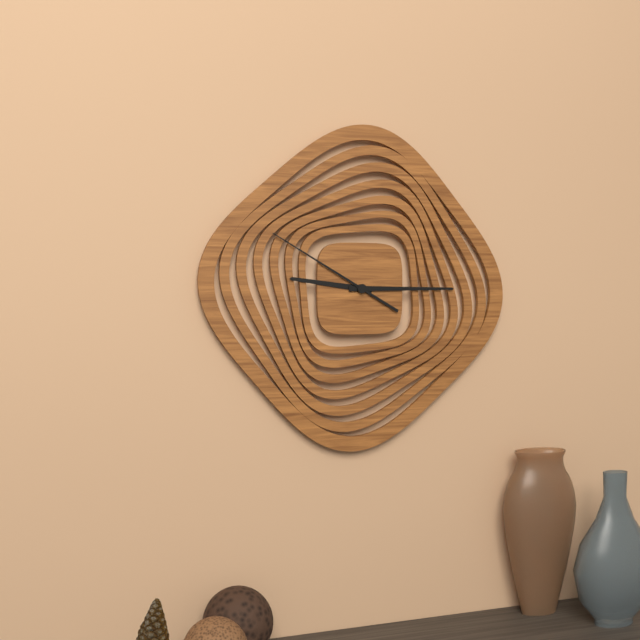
9:15:50
